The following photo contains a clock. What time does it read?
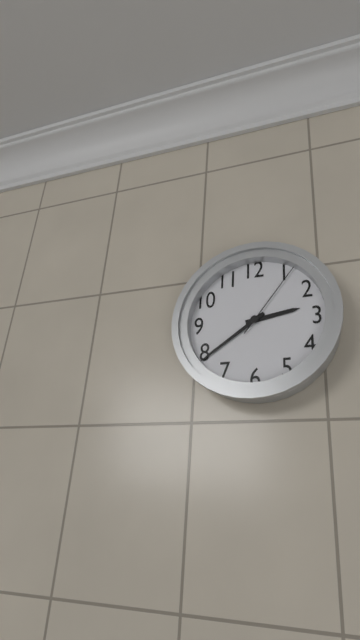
2:39:06
